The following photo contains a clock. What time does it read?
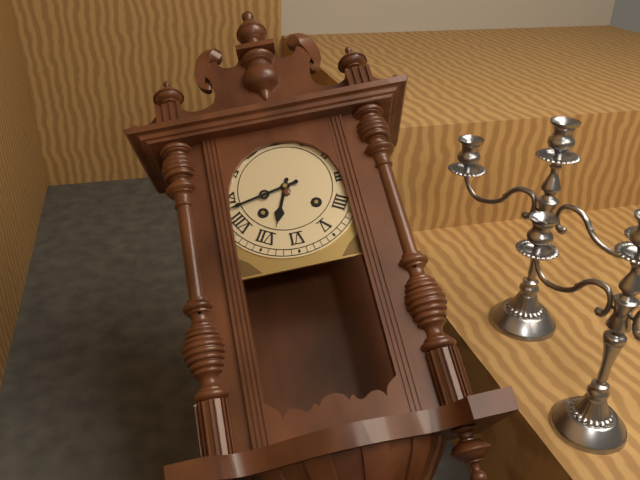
6:43
